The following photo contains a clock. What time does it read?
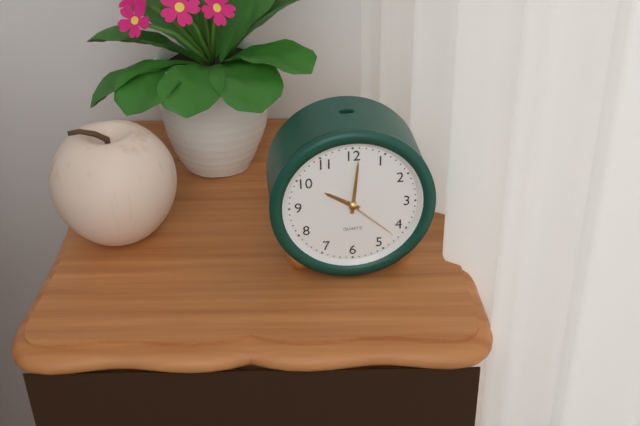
10:01:22
